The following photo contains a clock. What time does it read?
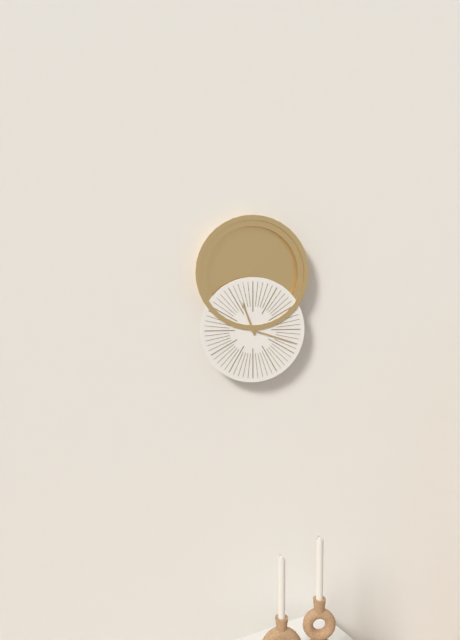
11:18
